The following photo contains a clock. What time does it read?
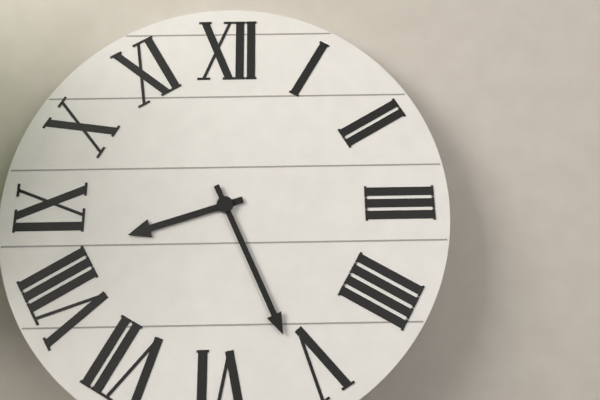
8:26
